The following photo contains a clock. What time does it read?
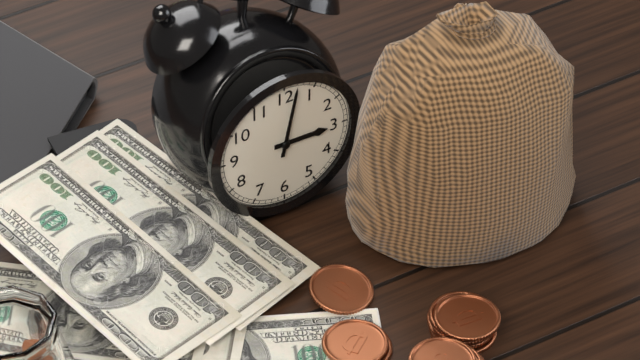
3:02
